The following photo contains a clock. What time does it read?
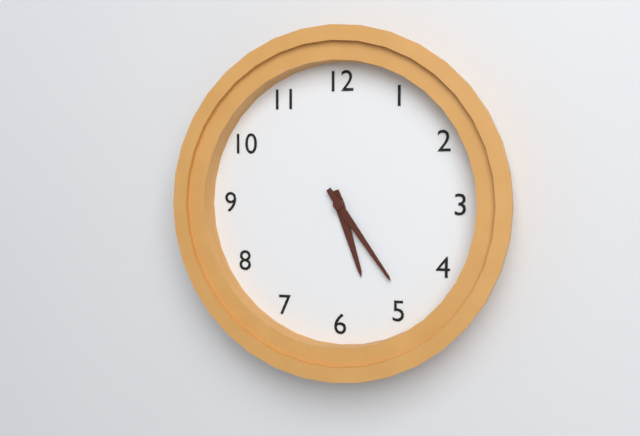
5:24
